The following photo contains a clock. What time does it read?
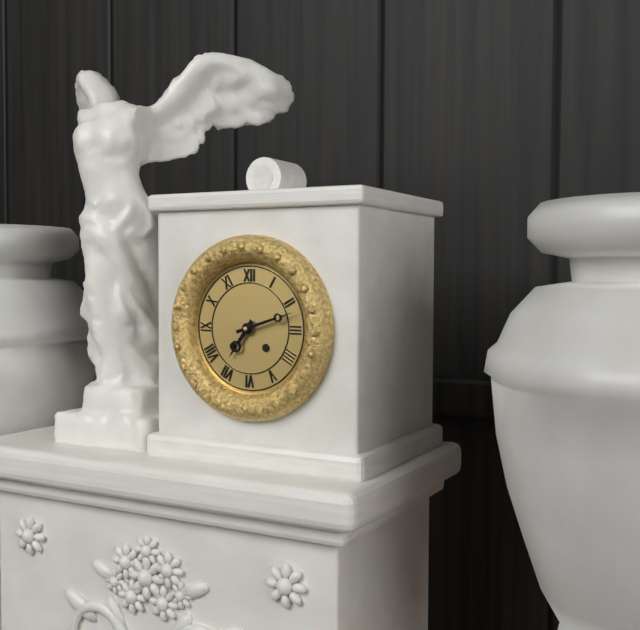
7:12
